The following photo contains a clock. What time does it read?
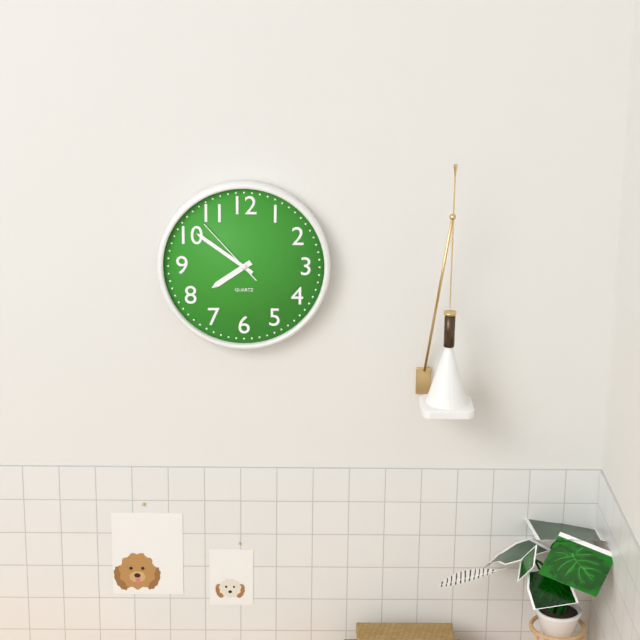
7:51:53
